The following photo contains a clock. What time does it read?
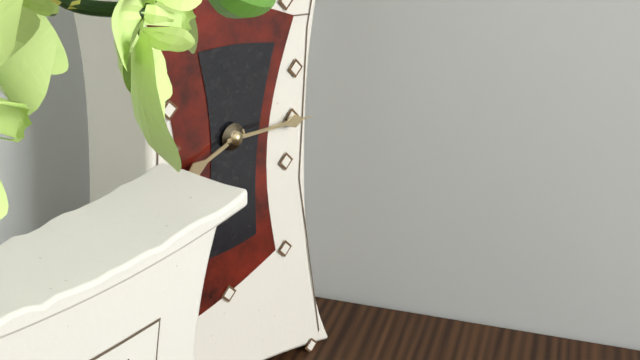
8:15
